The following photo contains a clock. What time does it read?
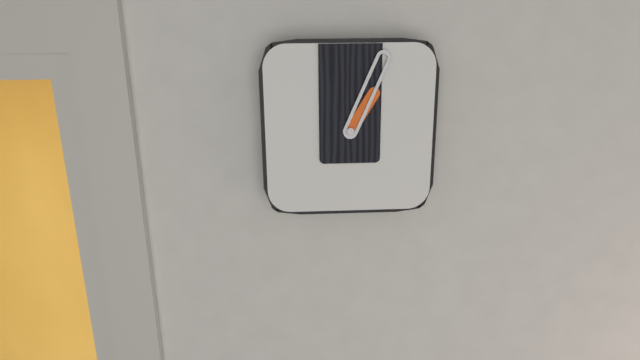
1:04
